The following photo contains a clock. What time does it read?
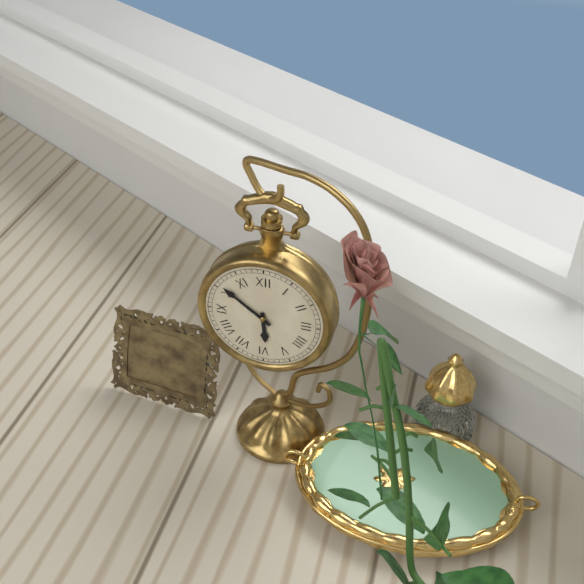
5:51
